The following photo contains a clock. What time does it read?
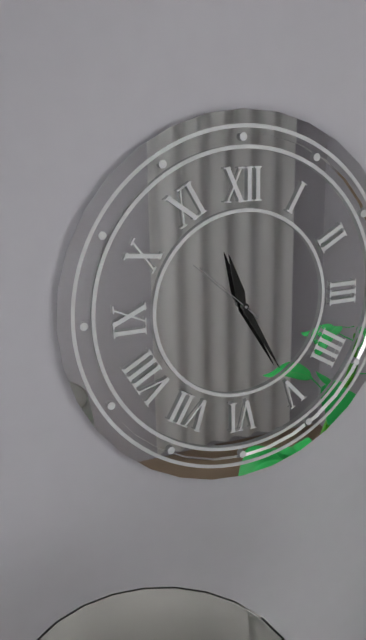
11:25:52
